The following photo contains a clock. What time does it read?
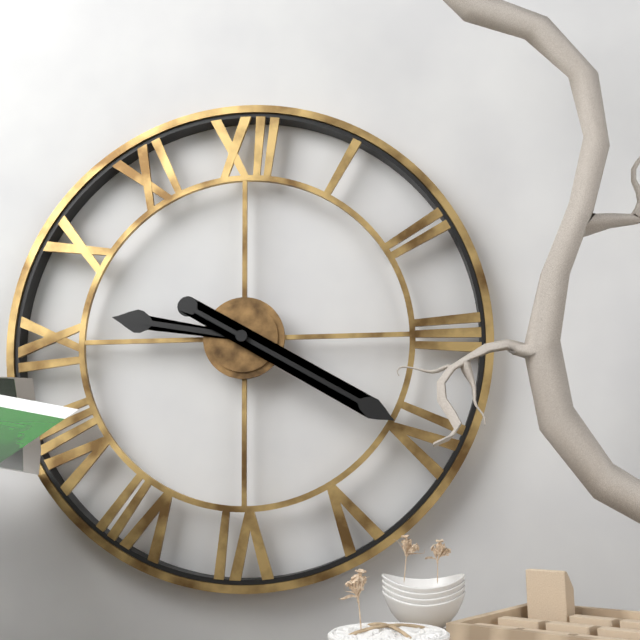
9:20
